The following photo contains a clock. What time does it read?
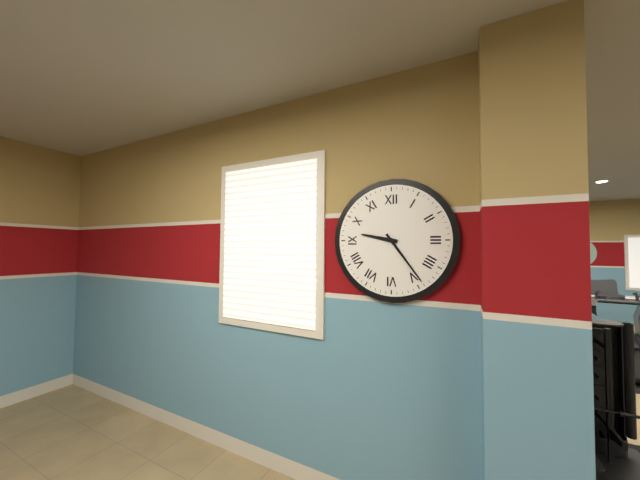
9:24
